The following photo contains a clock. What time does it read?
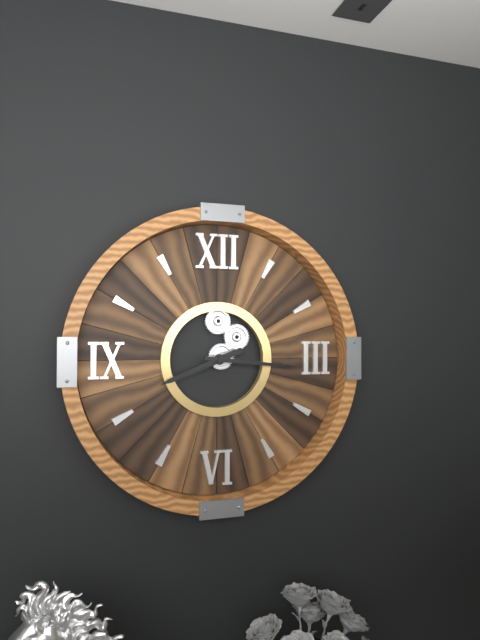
8:16
